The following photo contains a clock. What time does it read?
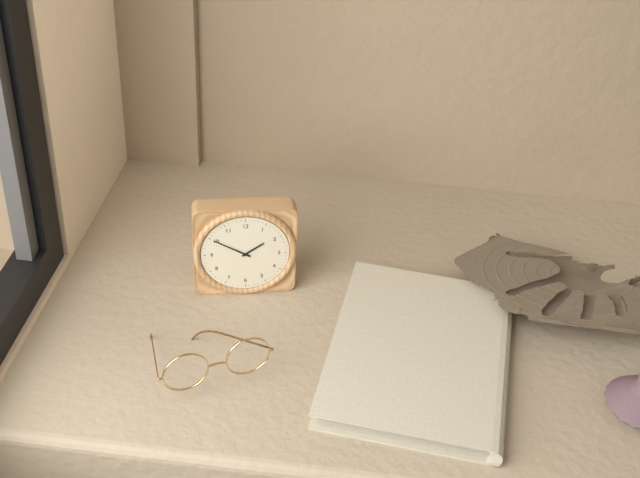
1:50
